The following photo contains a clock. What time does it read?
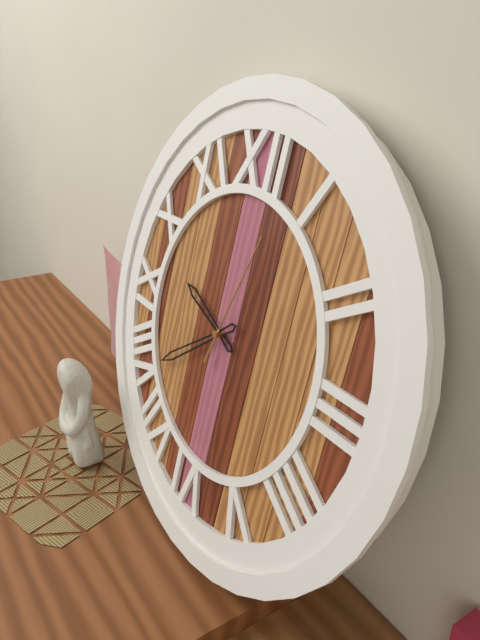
9:39:03
